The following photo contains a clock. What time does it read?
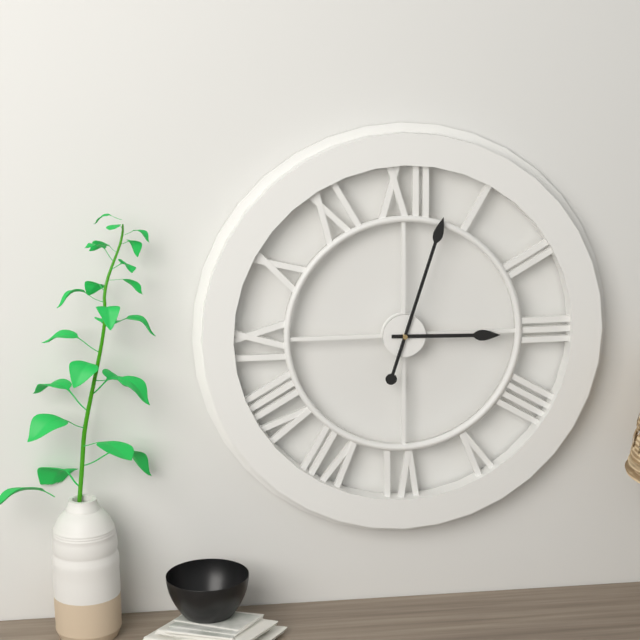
3:03
